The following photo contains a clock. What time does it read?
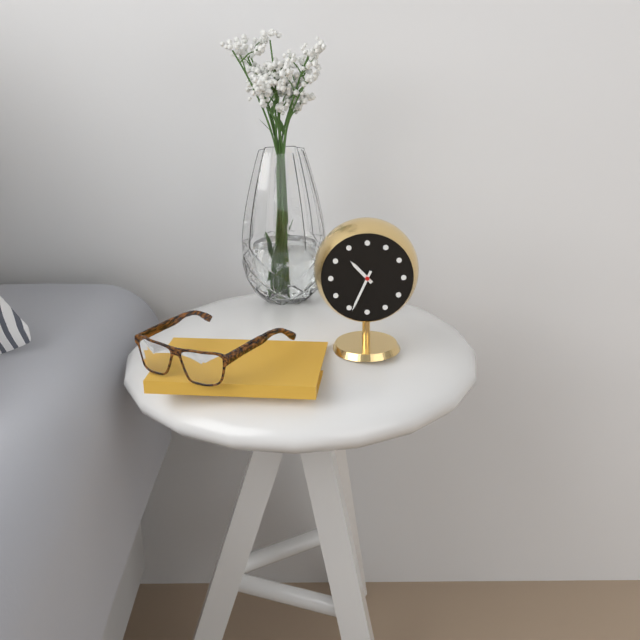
10:34
